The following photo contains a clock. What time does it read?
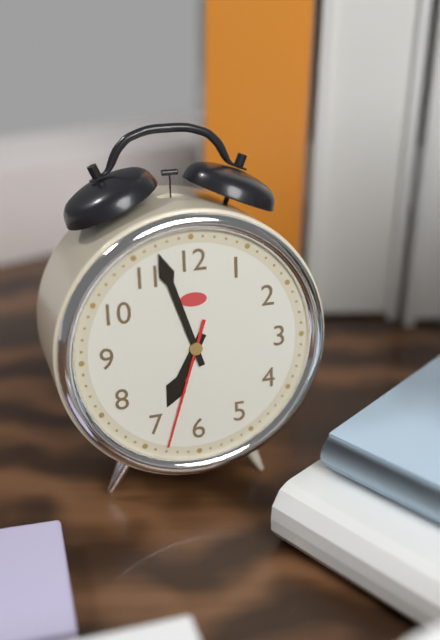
6:57:33
